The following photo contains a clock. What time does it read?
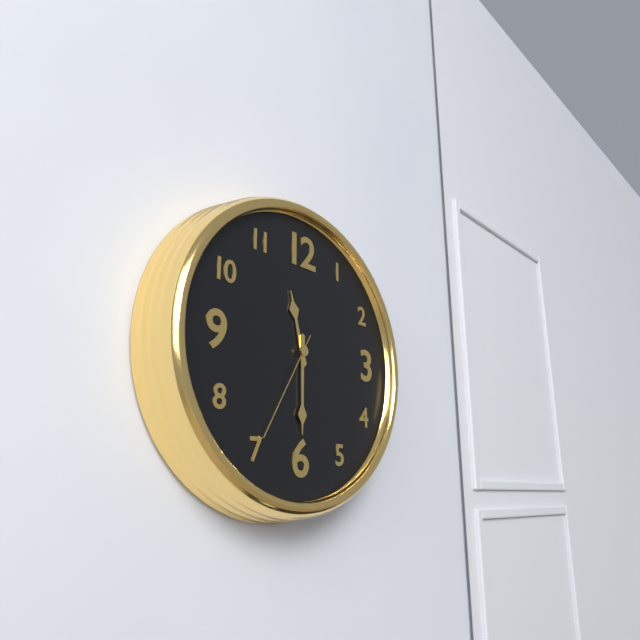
11:30:35
